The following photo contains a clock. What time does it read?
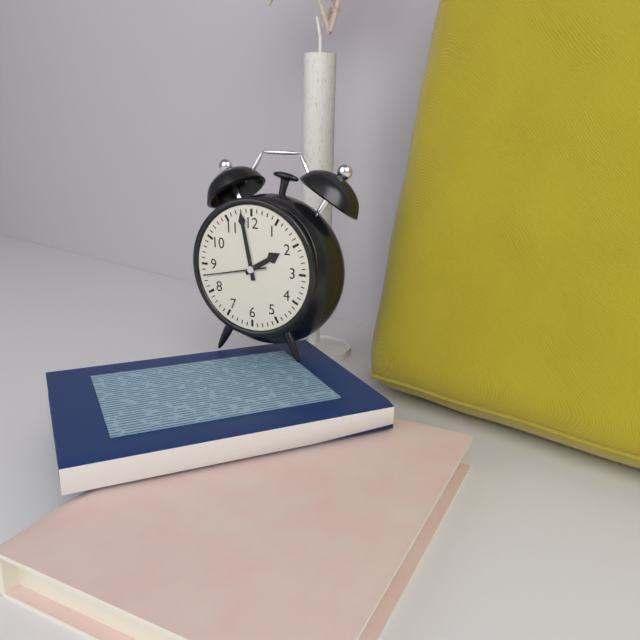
1:58:43
